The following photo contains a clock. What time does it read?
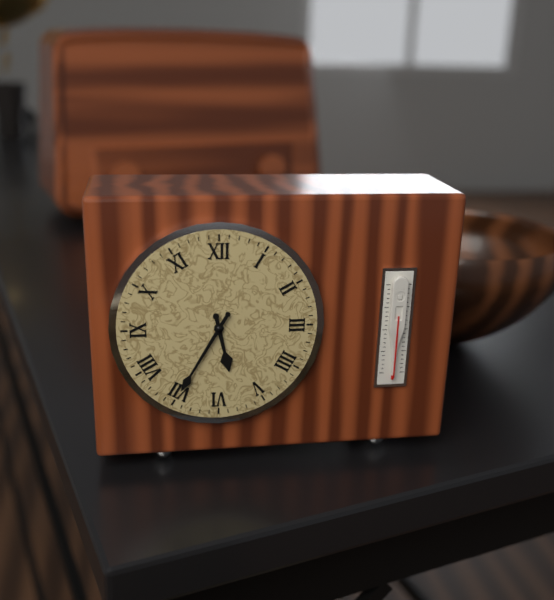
5:35
